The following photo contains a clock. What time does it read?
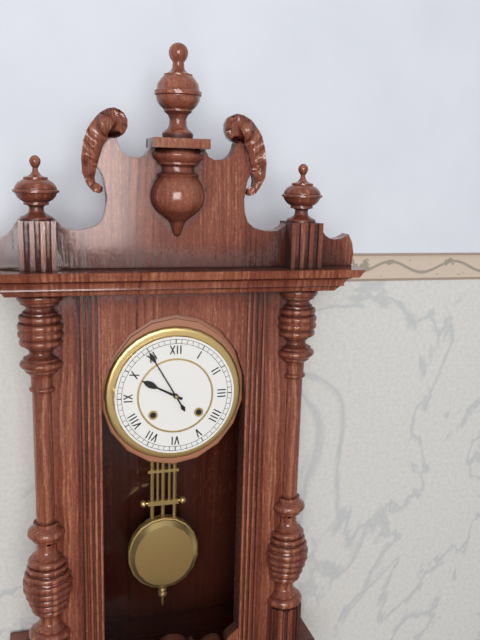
9:55
